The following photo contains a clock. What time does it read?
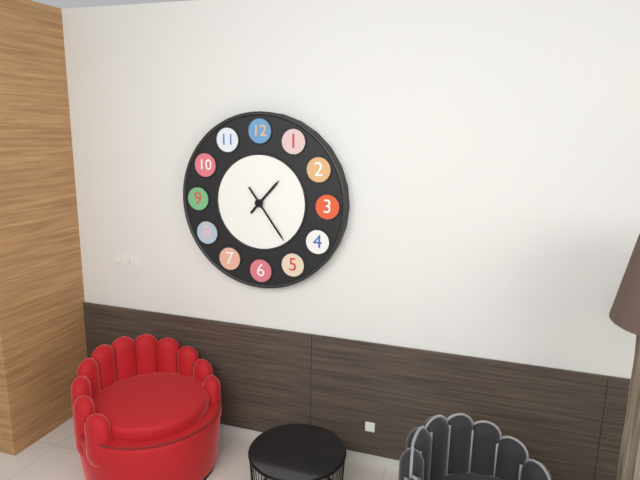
1:24
